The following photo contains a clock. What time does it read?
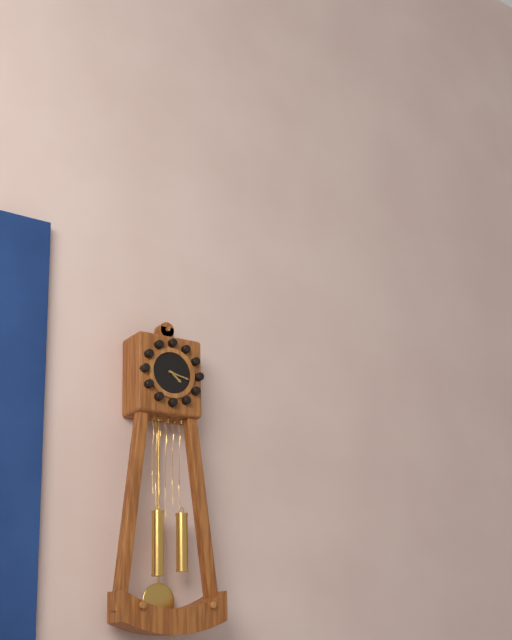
4:17
